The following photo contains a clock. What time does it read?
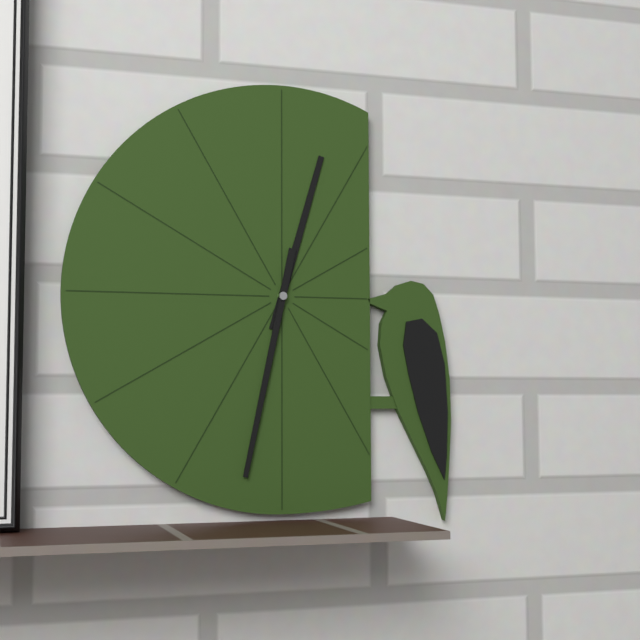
12:32
